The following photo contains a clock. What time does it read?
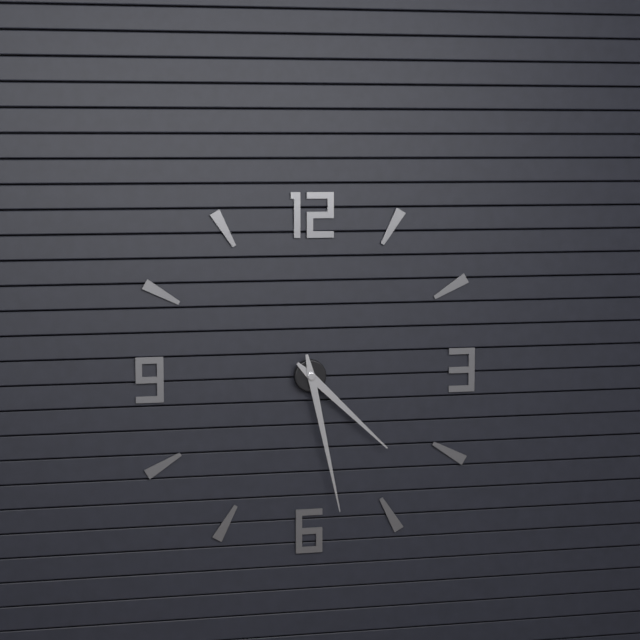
4:28
